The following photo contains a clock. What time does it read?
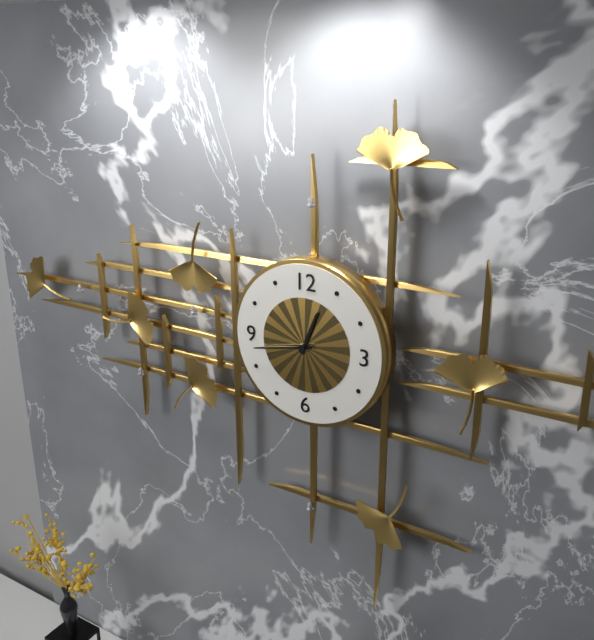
12:43
